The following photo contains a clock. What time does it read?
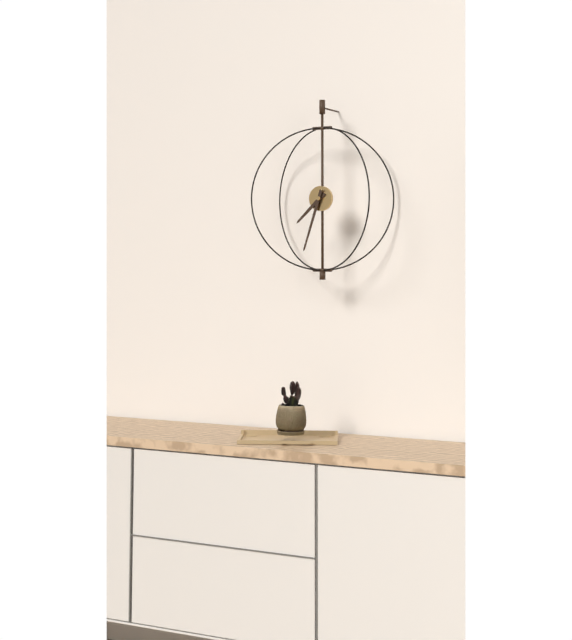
7:33
